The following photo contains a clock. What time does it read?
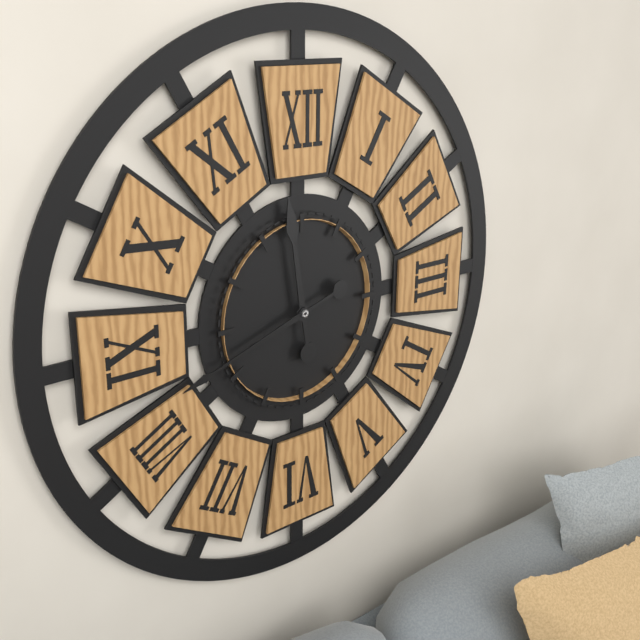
11:42
